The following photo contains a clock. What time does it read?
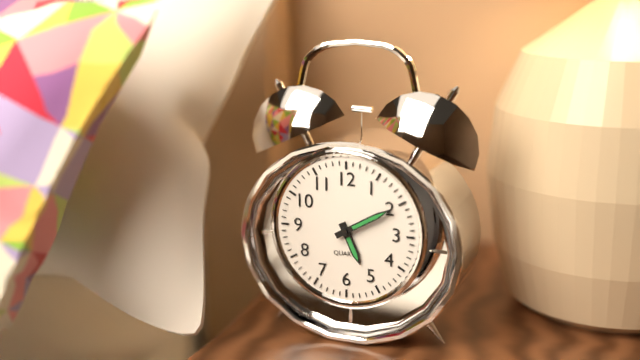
5:10
